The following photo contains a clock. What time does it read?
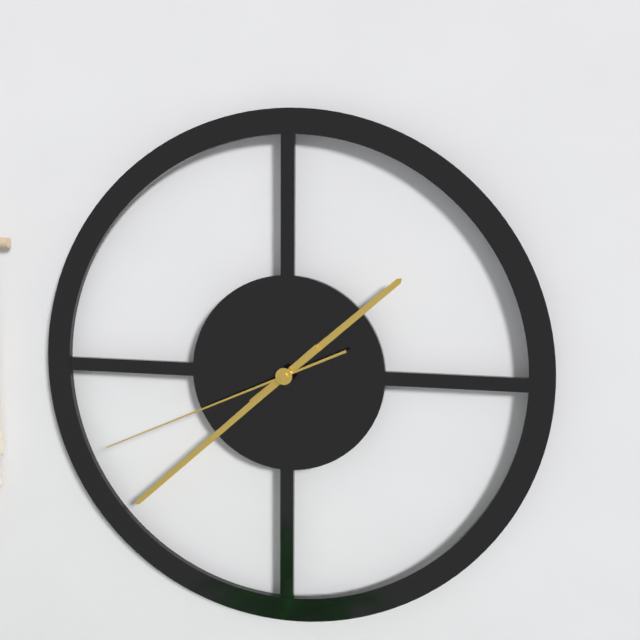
1:38:41
